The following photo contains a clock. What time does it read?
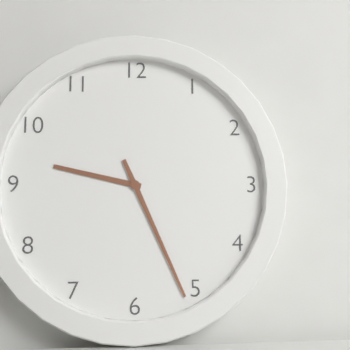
9:26
